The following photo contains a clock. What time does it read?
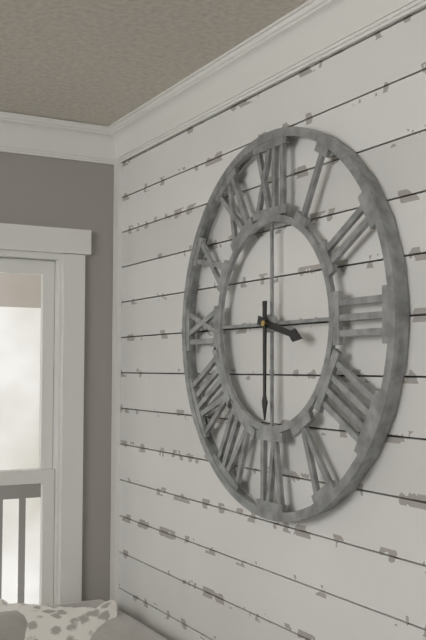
3:30
